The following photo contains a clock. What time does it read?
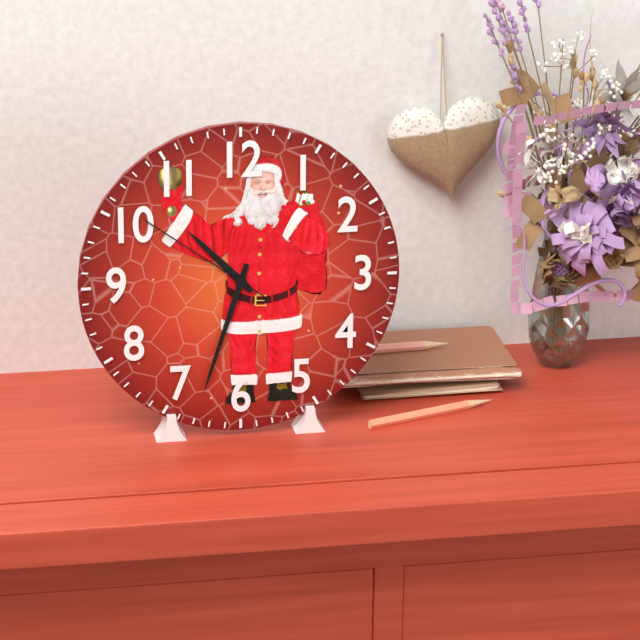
10:33:51
